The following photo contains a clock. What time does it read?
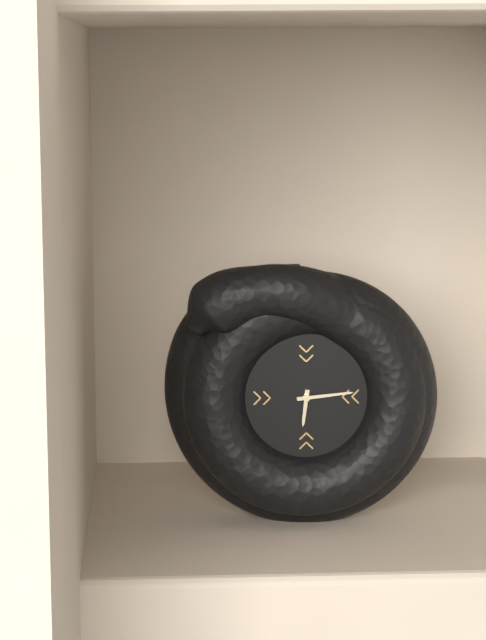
6:14
